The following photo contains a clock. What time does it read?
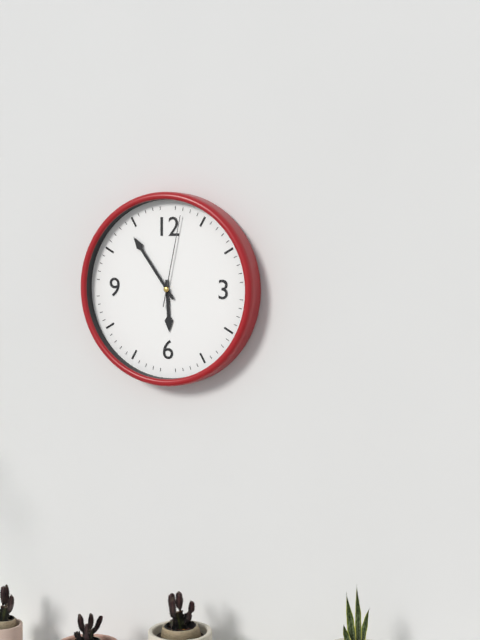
5:54:02
